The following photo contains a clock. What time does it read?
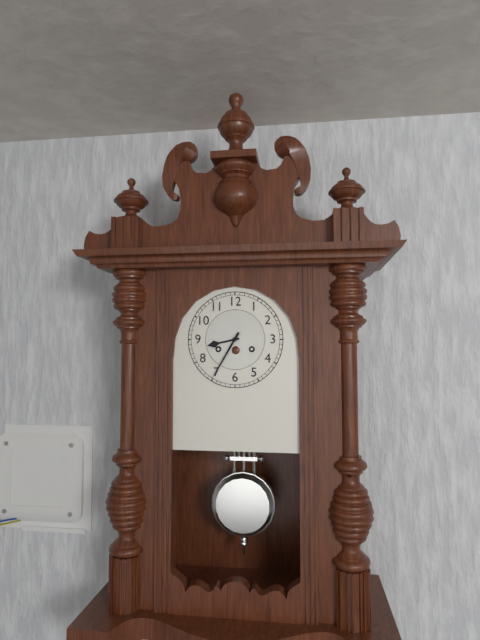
8:35
